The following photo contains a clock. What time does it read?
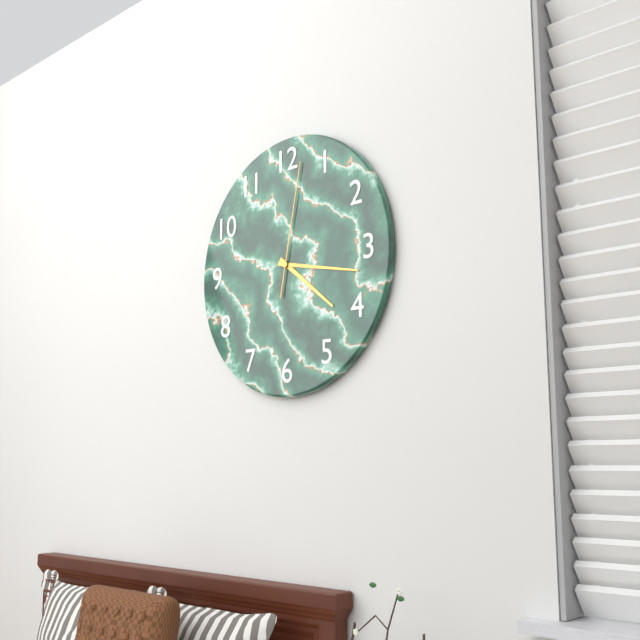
4:17:02
